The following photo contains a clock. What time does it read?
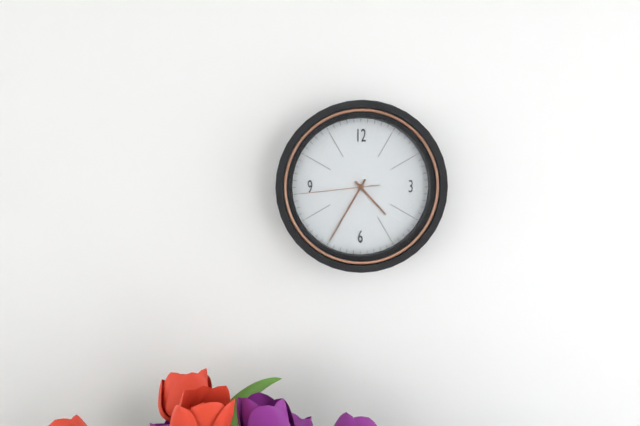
4:35:44
